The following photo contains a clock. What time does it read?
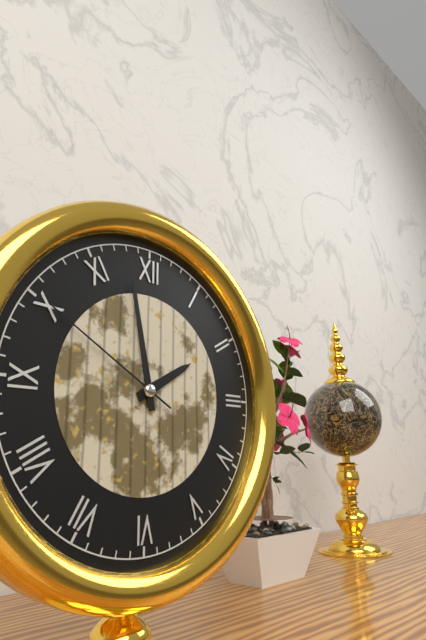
1:58:50
